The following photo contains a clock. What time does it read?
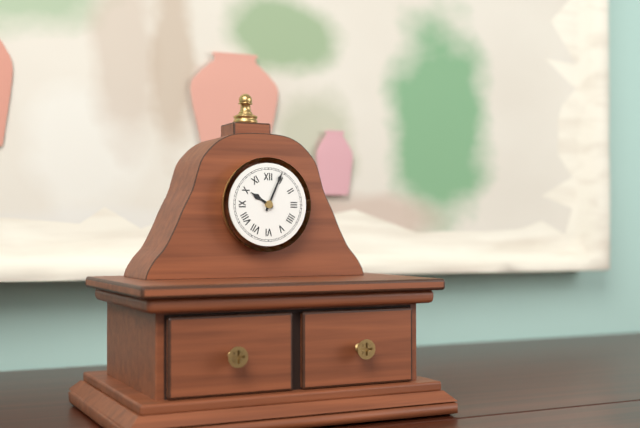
10:04
